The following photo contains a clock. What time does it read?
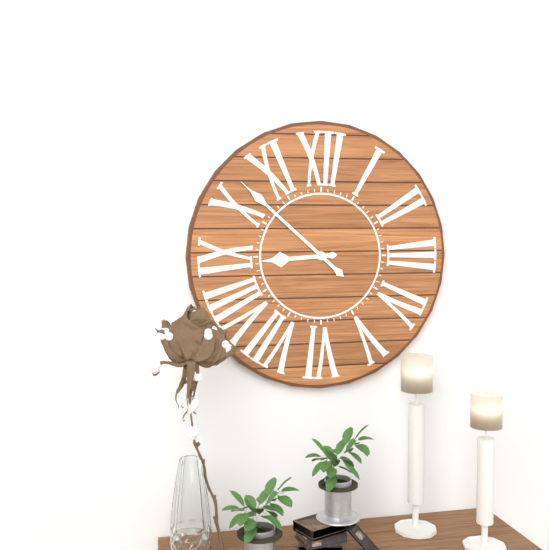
8:52
